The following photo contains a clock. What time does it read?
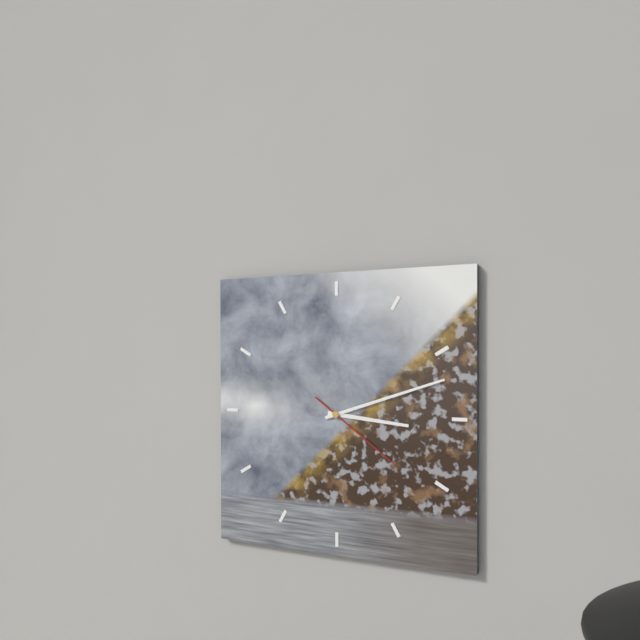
3:12:21
